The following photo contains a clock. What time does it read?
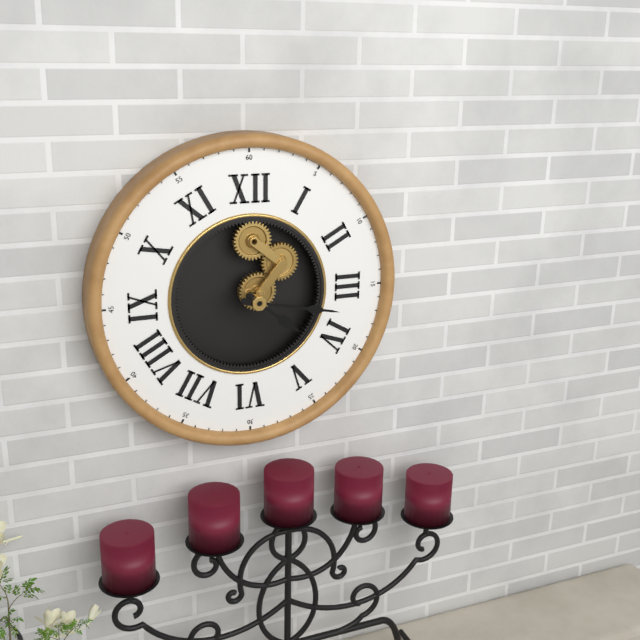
4:17
